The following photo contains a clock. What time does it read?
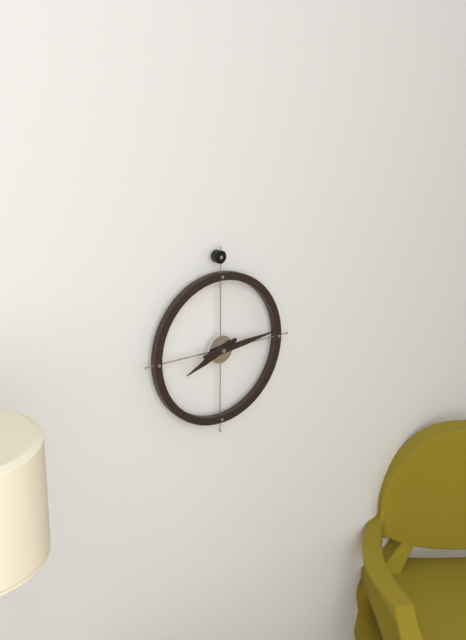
8:14
